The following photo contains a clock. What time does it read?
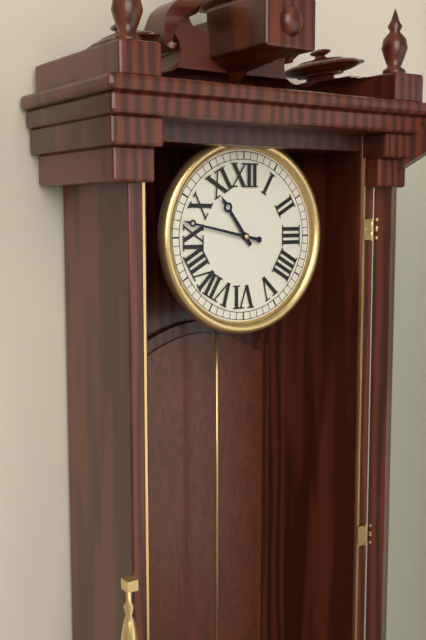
10:47
